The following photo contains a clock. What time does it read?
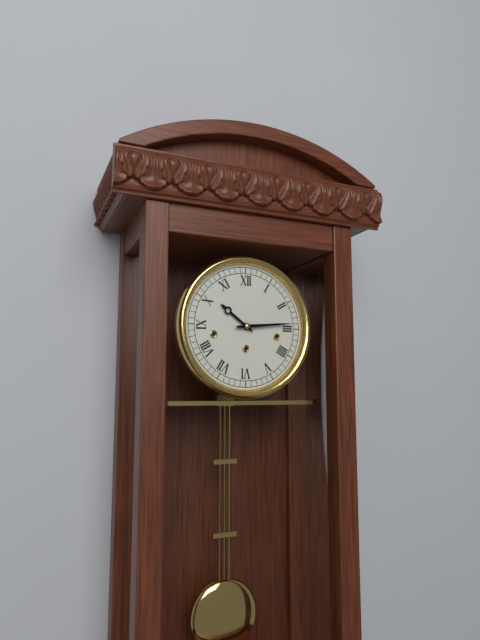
10:14
